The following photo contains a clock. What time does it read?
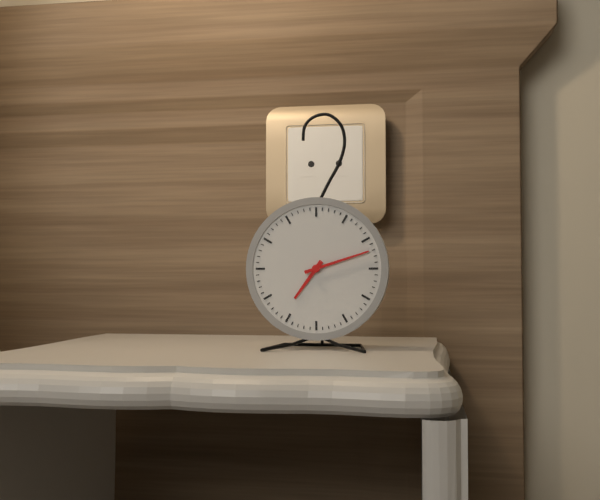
7:12
